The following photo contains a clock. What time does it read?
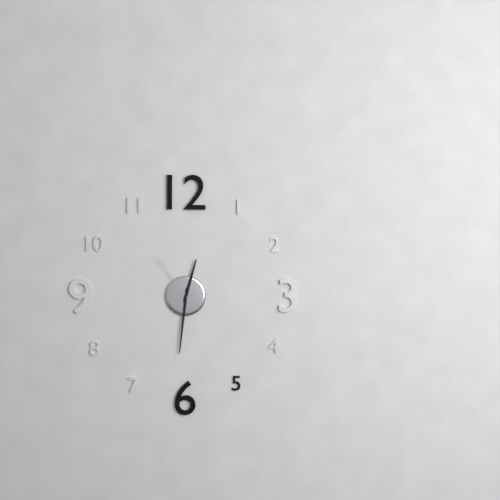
12:31:54
